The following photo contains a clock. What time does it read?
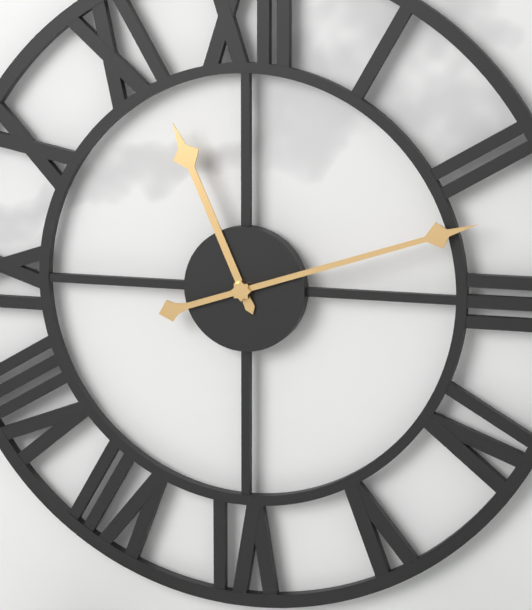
11:12
